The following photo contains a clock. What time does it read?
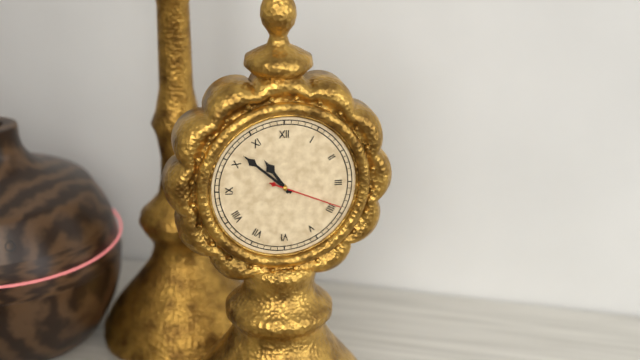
10:52:19
